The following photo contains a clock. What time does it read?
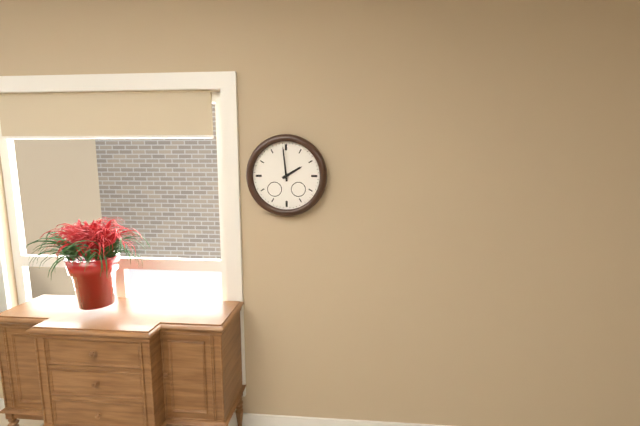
1:59
